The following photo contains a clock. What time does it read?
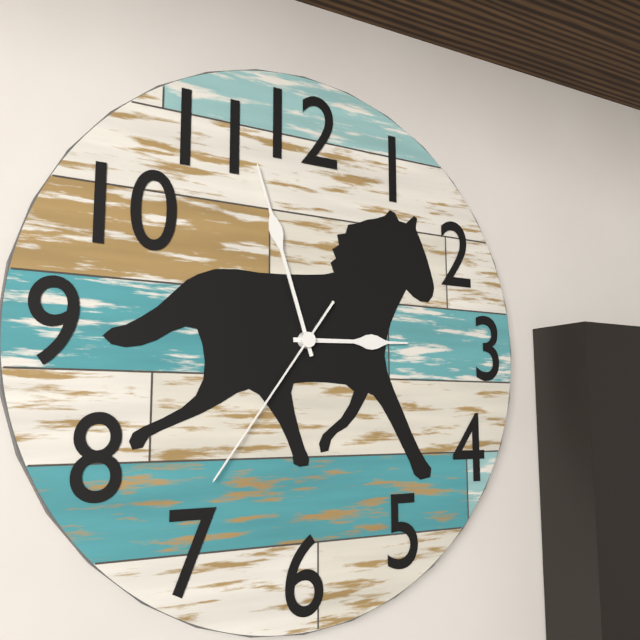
2:57:36
